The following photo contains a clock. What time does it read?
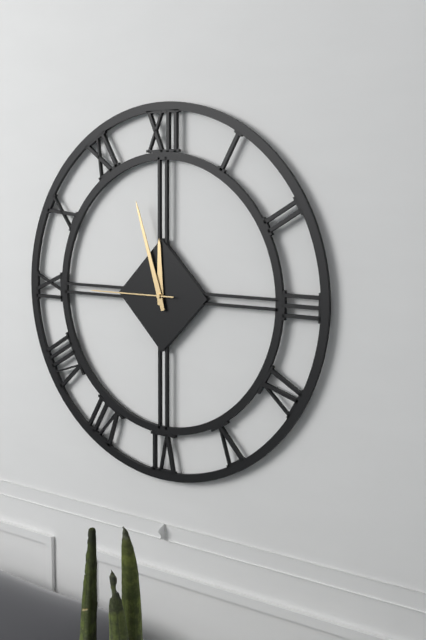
11:57:45
